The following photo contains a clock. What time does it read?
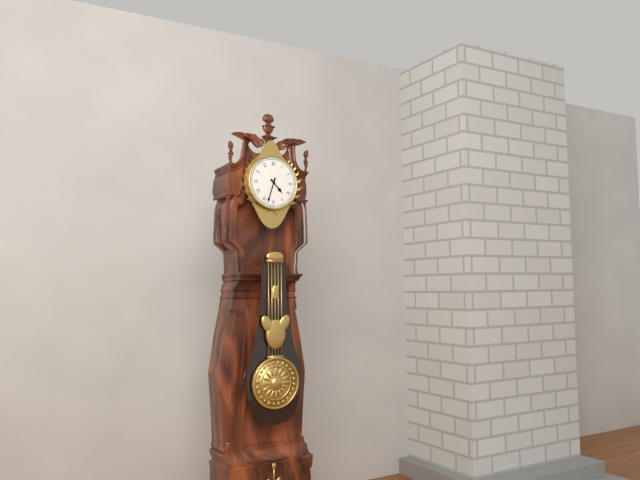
4:33
